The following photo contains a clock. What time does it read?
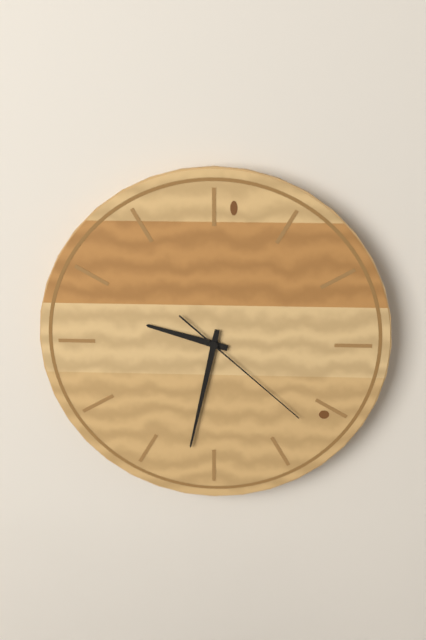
9:32:22
